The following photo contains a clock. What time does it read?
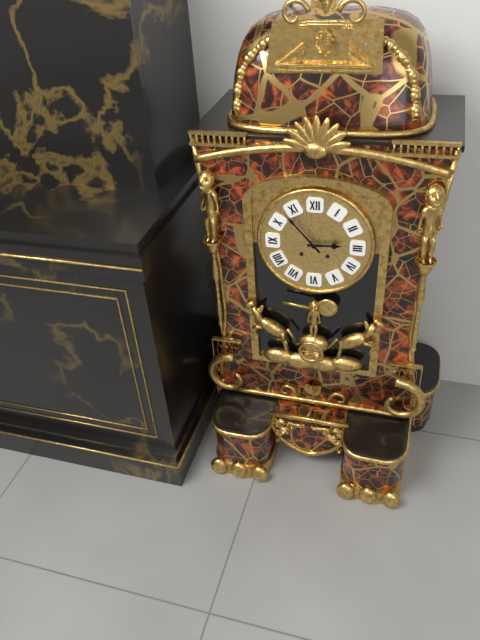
2:53
